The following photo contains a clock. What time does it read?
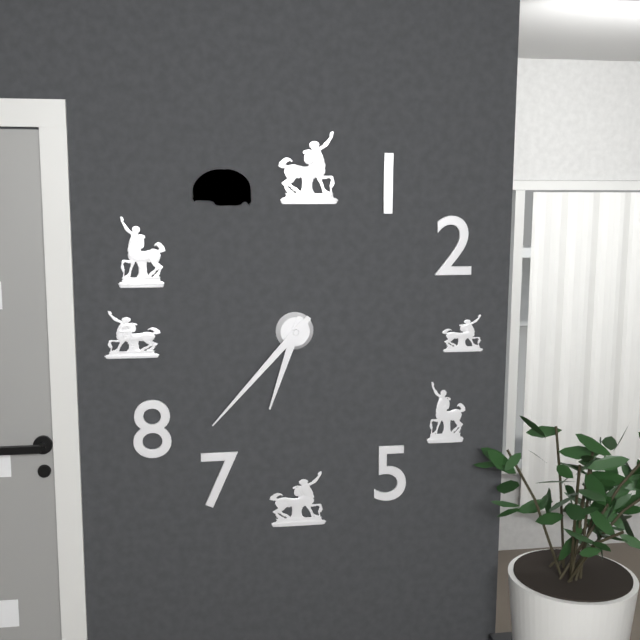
6:37
